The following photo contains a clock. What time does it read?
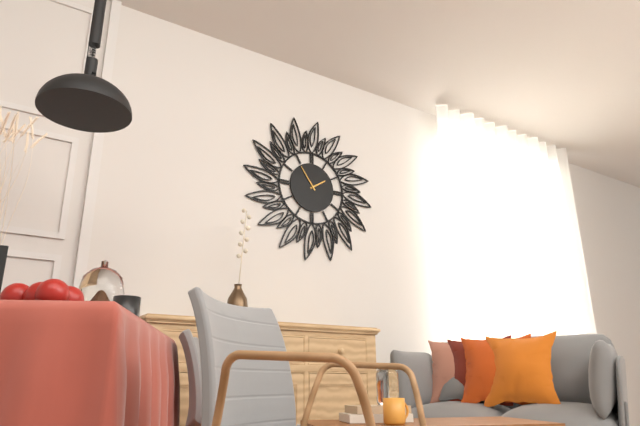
1:54
